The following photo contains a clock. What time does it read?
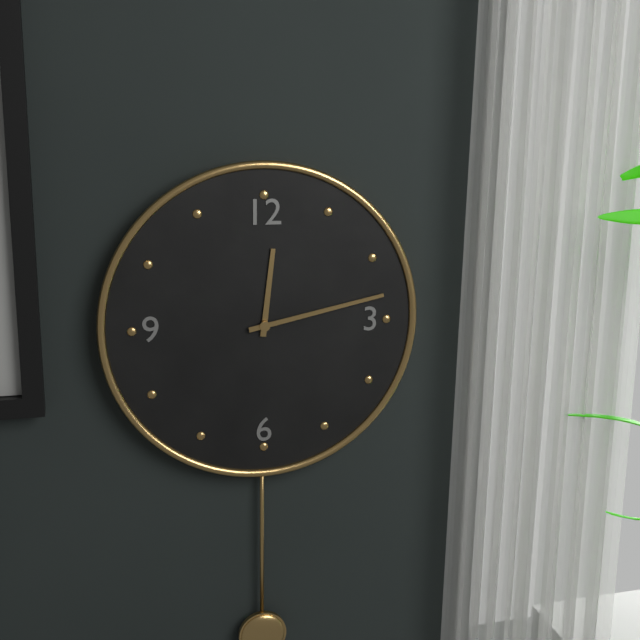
12:13
